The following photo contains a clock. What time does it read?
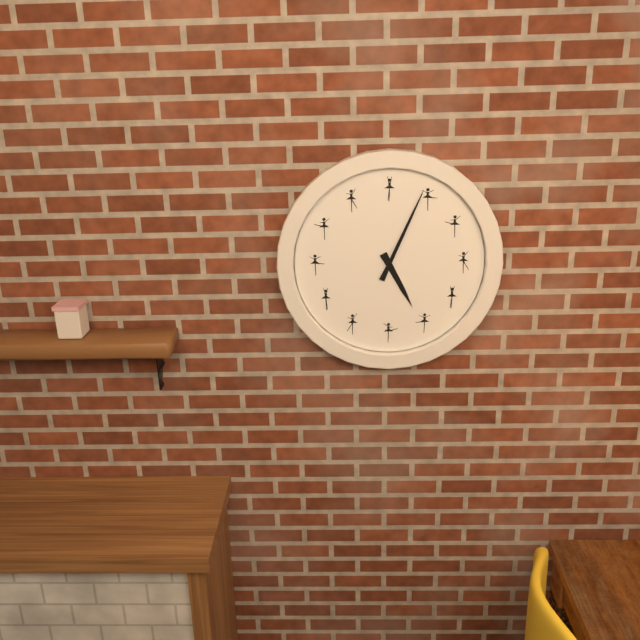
5:04
